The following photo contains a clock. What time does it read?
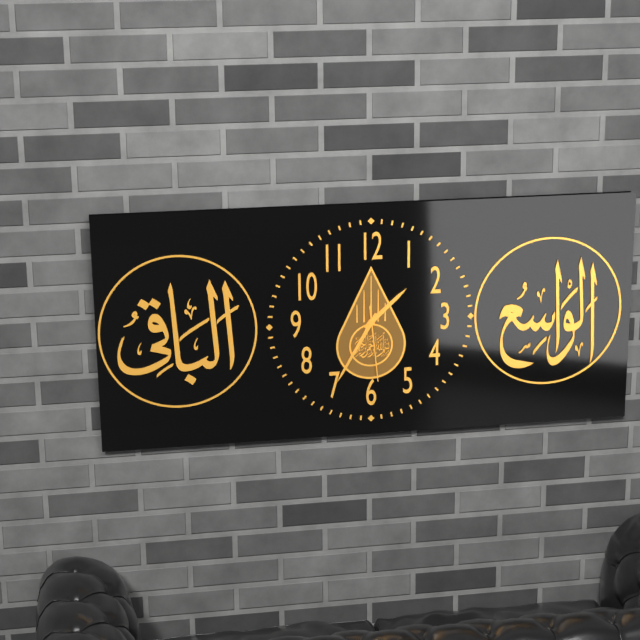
1:35:29
